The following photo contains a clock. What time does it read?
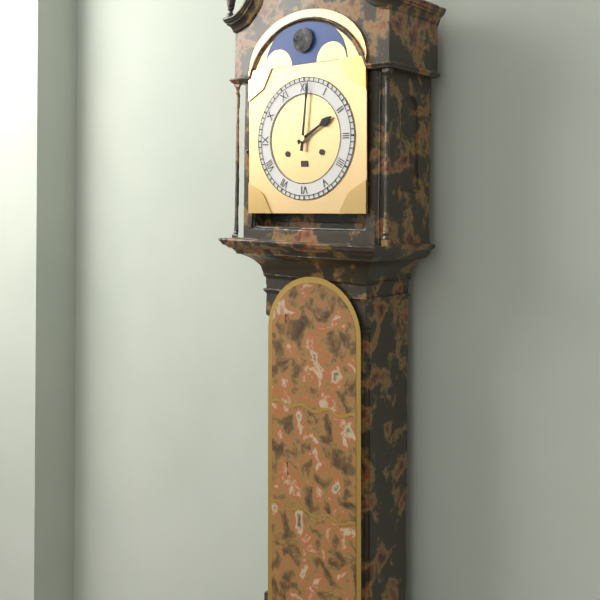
2:01
